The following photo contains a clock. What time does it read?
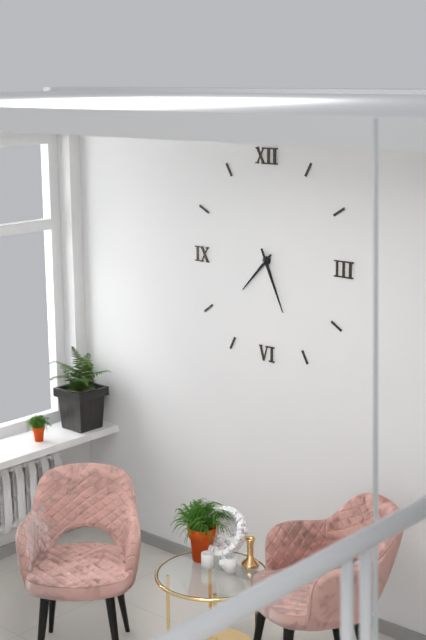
7:26
